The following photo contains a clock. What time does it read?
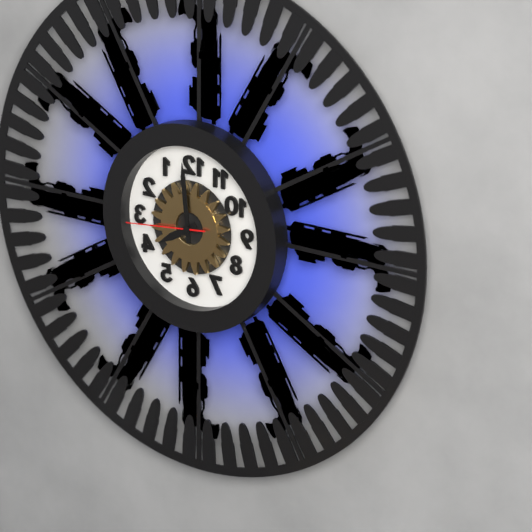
7:59:44
